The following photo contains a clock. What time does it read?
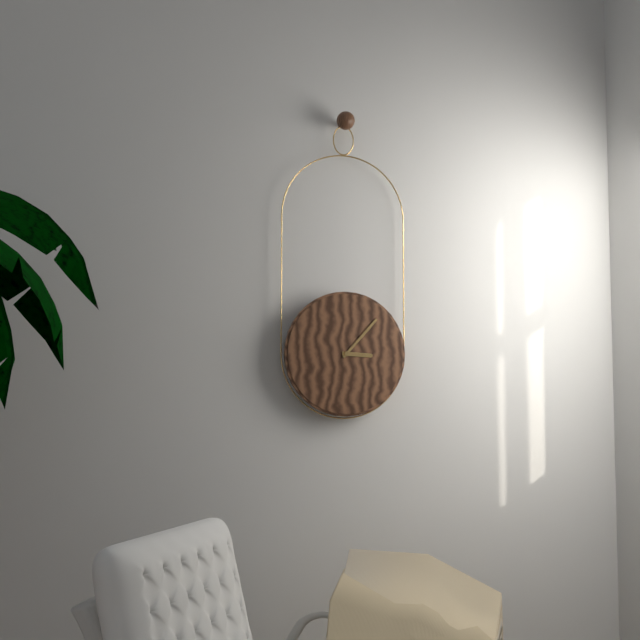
3:07
